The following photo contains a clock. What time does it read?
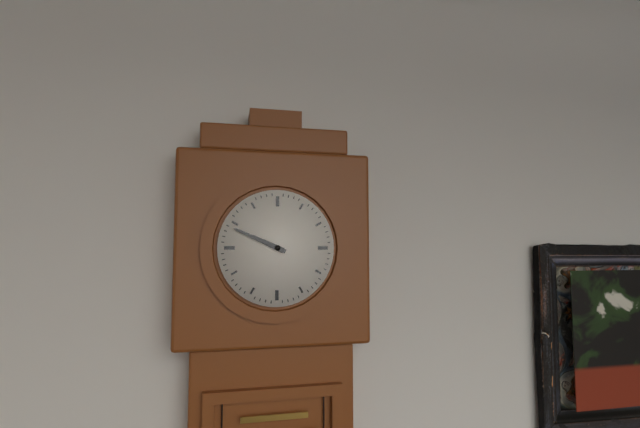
9:49
